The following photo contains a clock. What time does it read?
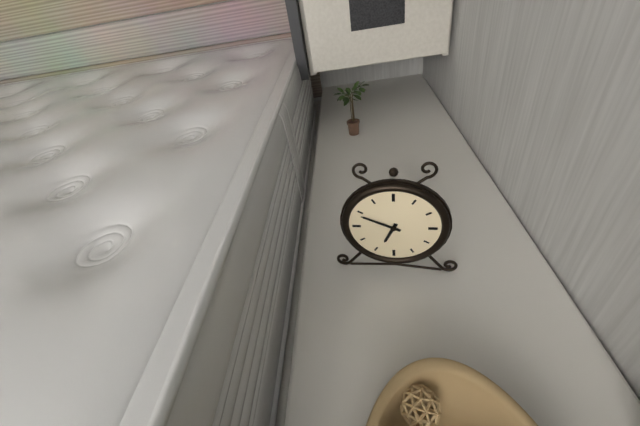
6:49
